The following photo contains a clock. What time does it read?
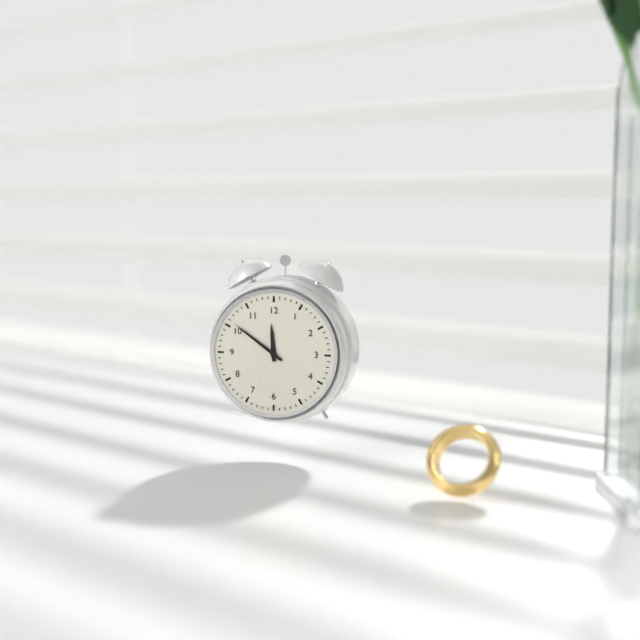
11:51
